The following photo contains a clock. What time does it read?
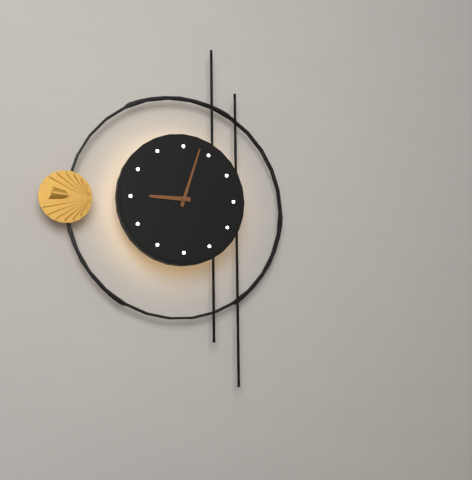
9:03
